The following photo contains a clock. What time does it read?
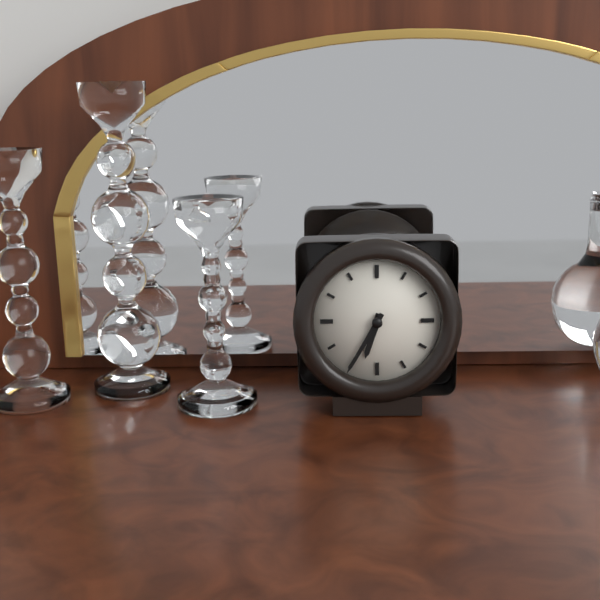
6:35
